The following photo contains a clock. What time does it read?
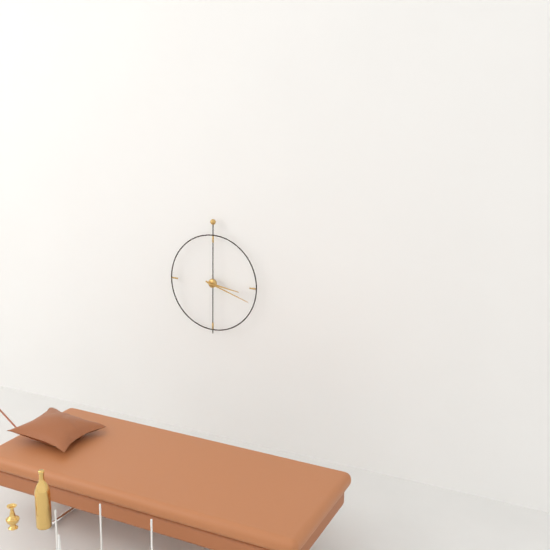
3:18
